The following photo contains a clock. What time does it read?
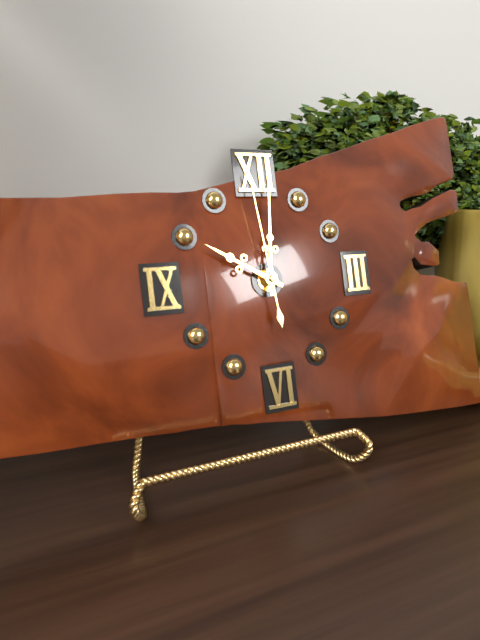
10:01:59
